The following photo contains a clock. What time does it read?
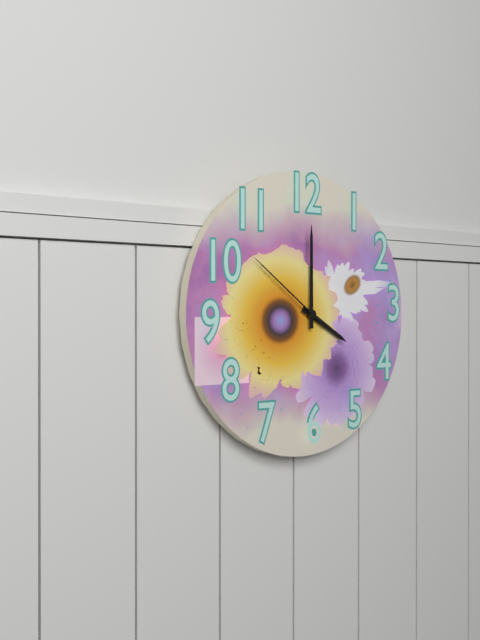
4:00:51
